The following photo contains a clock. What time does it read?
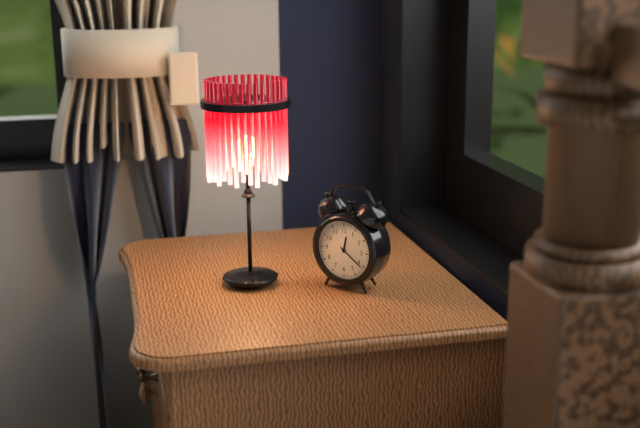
12:21
